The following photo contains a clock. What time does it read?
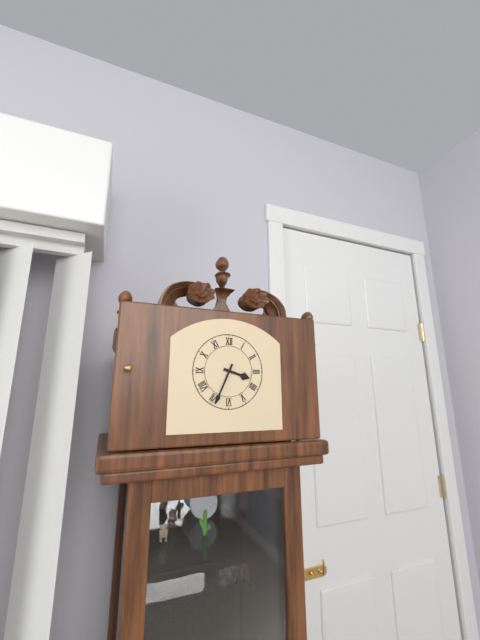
3:34
